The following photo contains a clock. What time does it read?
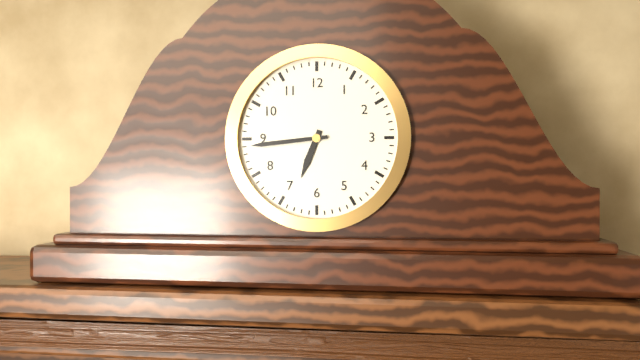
6:44
